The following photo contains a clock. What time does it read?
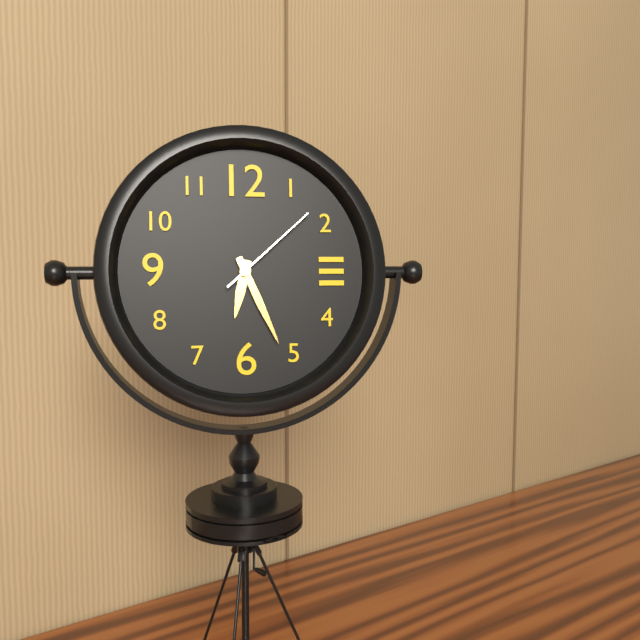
6:26:08
